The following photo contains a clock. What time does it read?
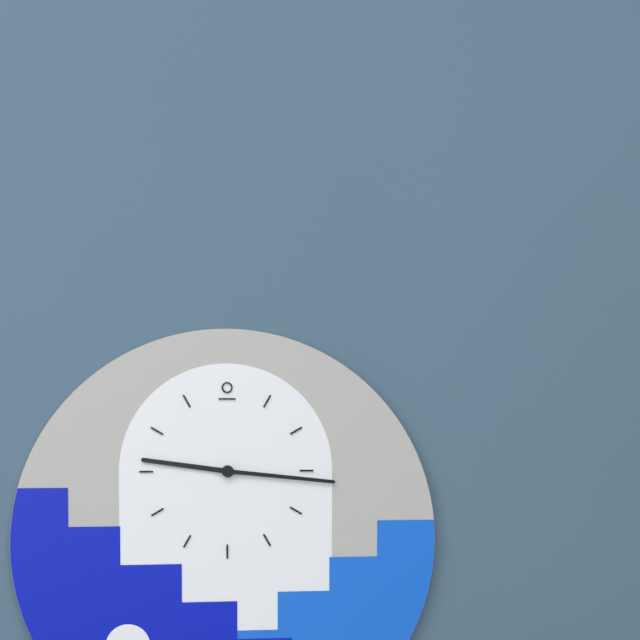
9:16
